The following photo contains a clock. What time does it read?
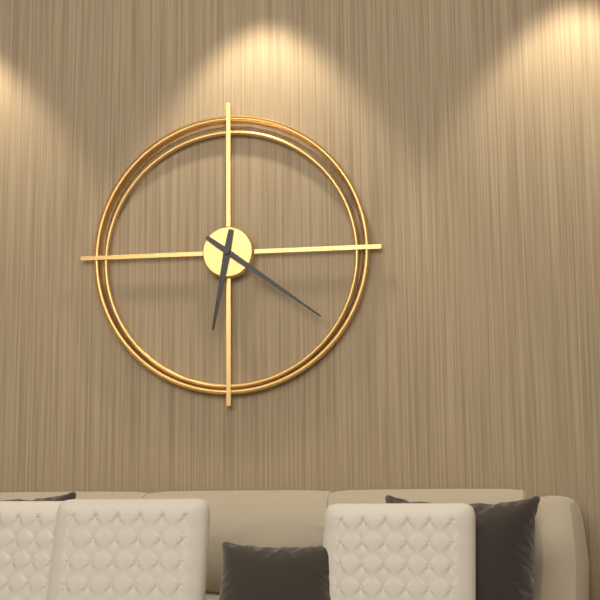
6:21
